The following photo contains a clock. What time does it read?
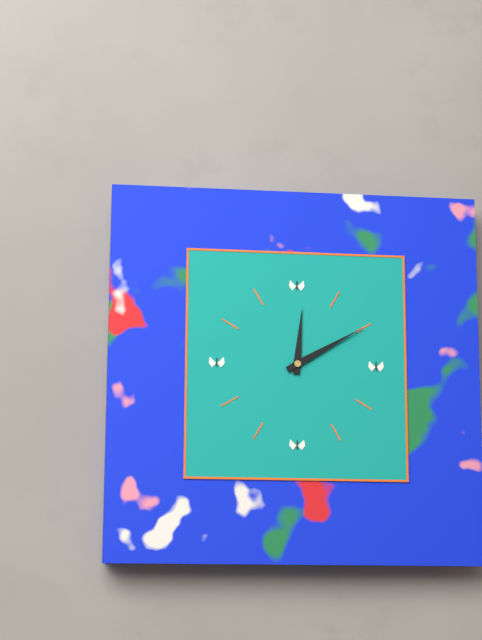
12:10
